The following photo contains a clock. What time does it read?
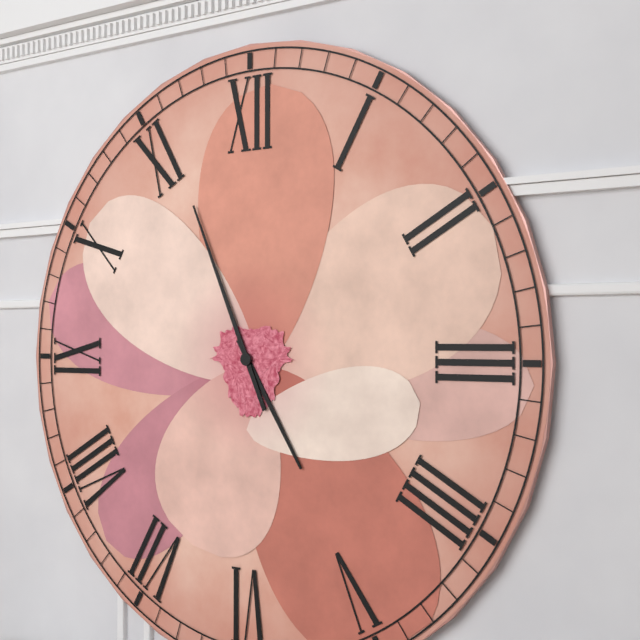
4:56
